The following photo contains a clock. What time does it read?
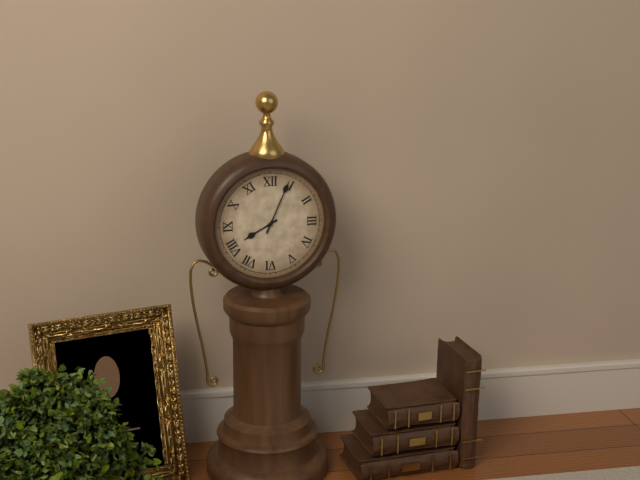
8:04
